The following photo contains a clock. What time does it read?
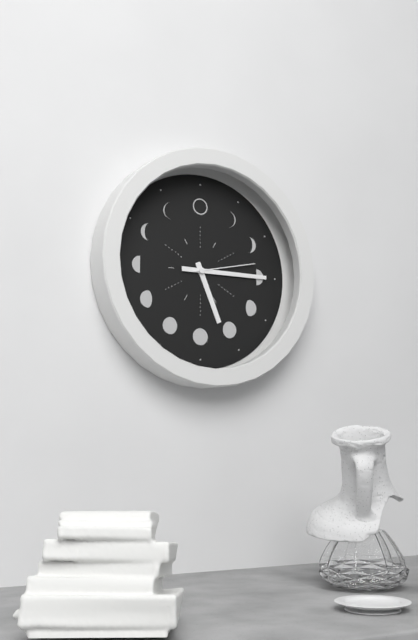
5:15:13
